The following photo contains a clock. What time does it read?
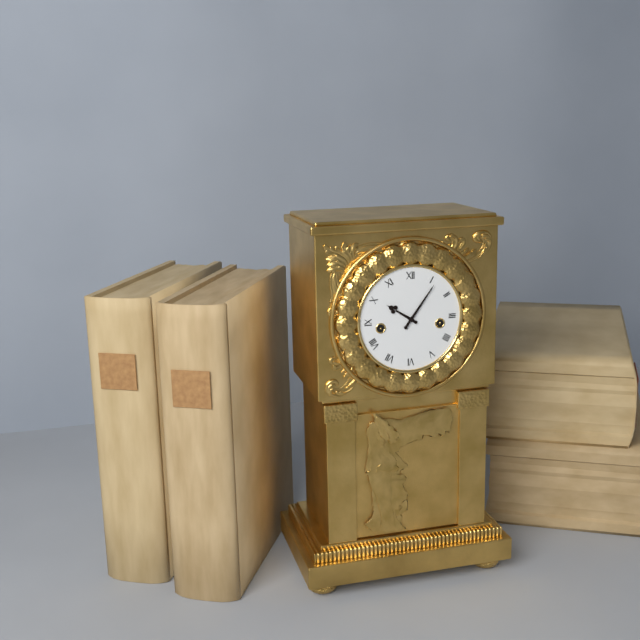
10:06
